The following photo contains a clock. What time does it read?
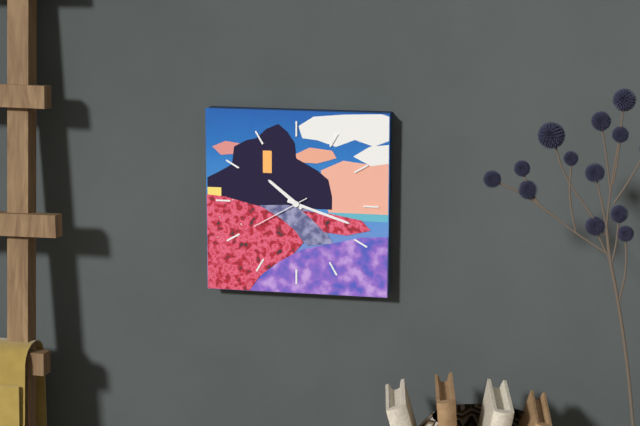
10:18:40
